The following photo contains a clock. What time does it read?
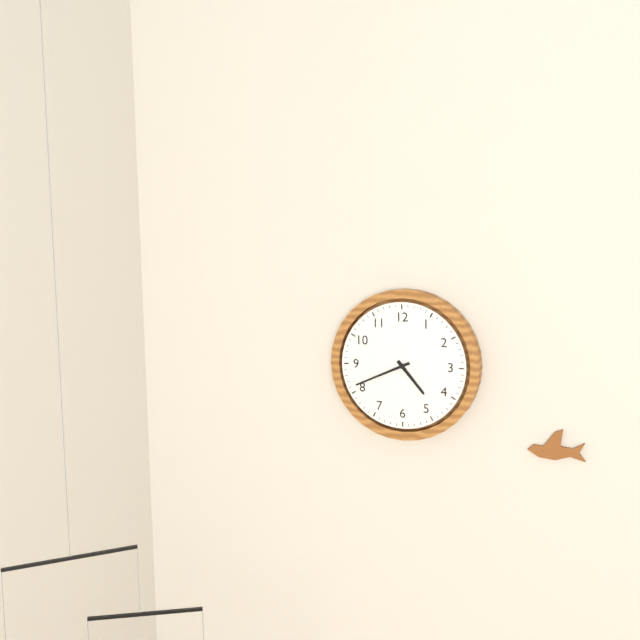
4:41
